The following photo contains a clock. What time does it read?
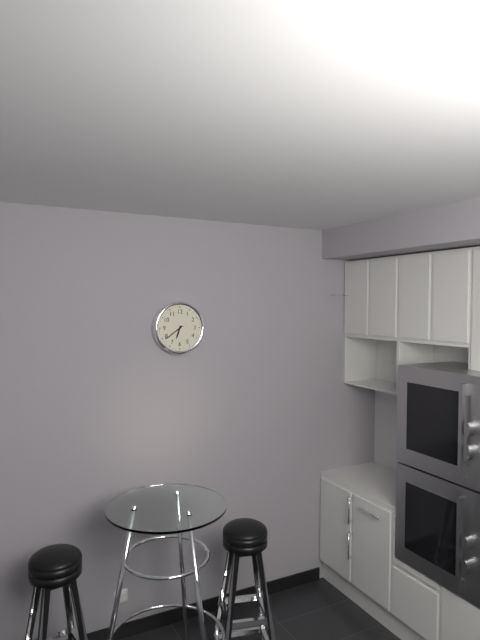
6:39
